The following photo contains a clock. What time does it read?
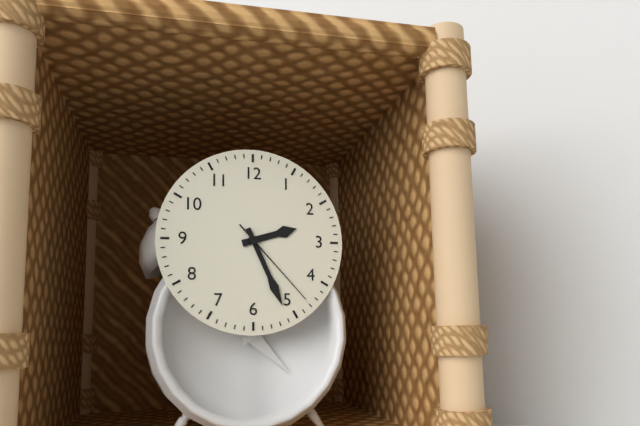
2:26:23
